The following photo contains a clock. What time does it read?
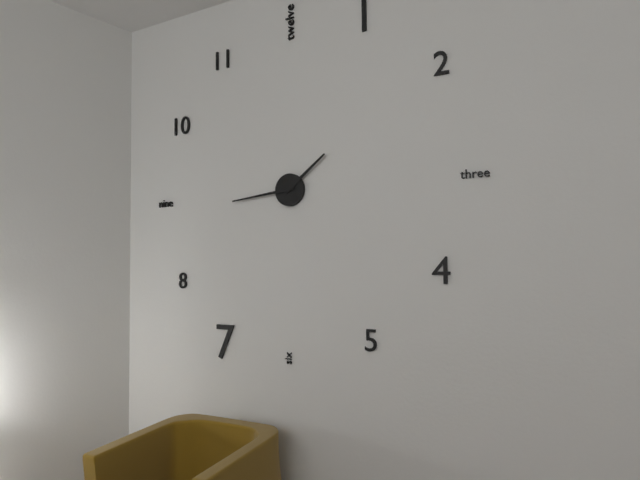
1:44
